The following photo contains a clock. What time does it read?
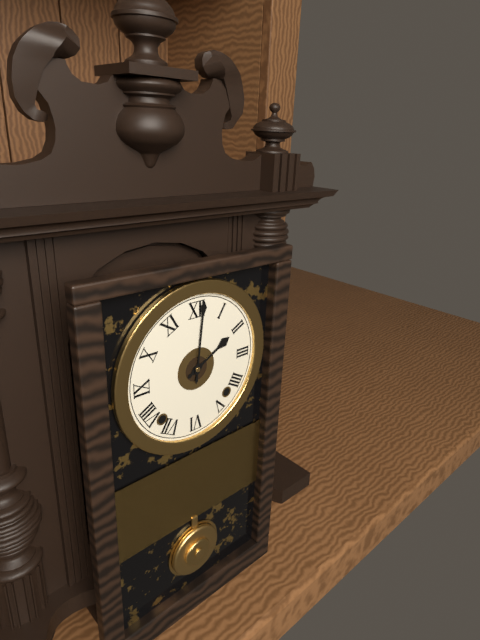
2:01
